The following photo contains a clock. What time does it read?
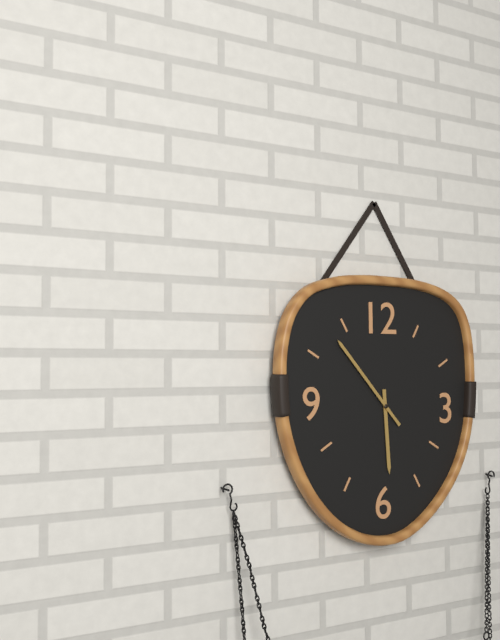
5:53
